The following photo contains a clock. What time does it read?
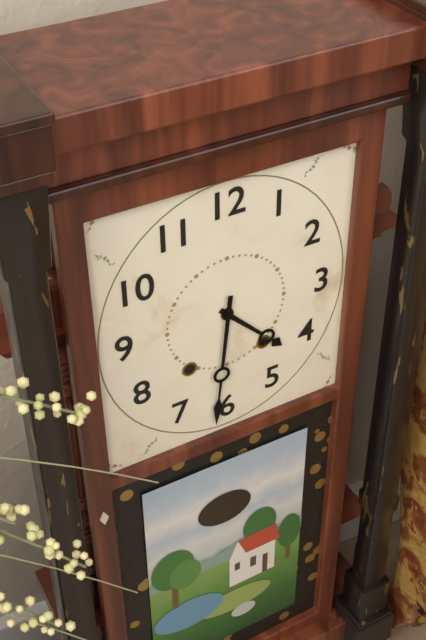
4:31
